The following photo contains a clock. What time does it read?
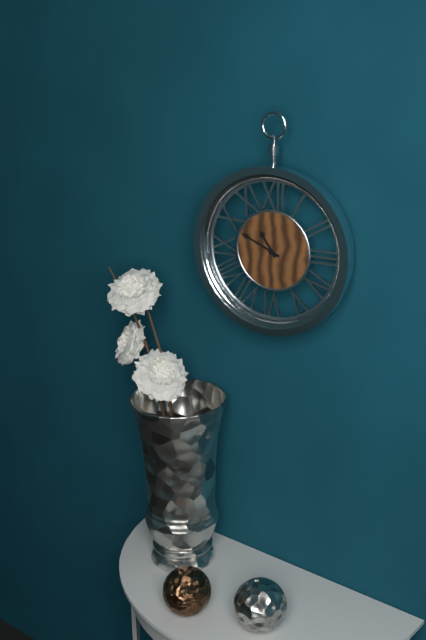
10:49
